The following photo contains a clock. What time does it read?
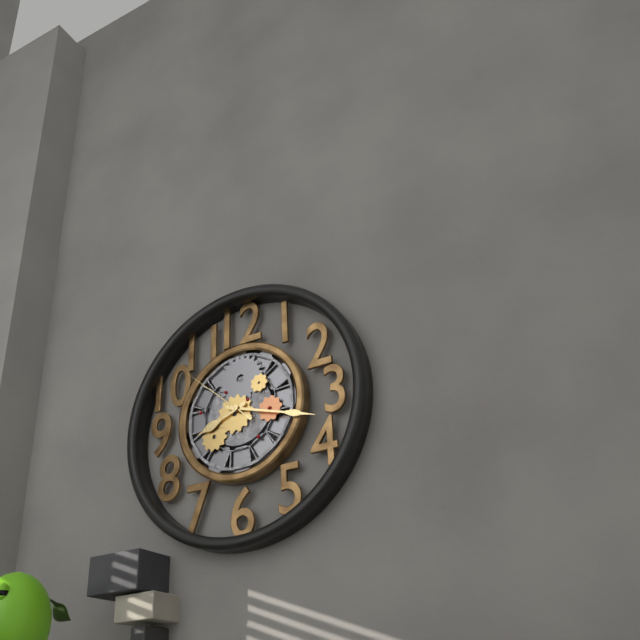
8:18:52
